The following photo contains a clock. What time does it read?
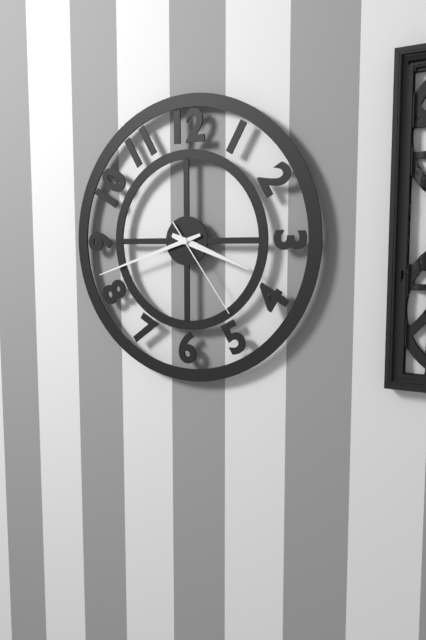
3:42:24
